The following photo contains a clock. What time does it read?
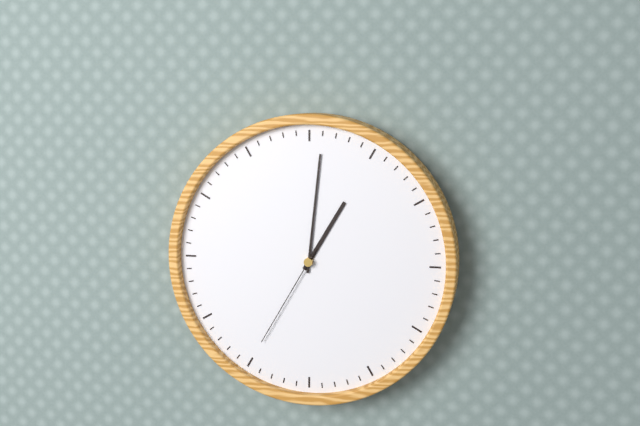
1:01:35
